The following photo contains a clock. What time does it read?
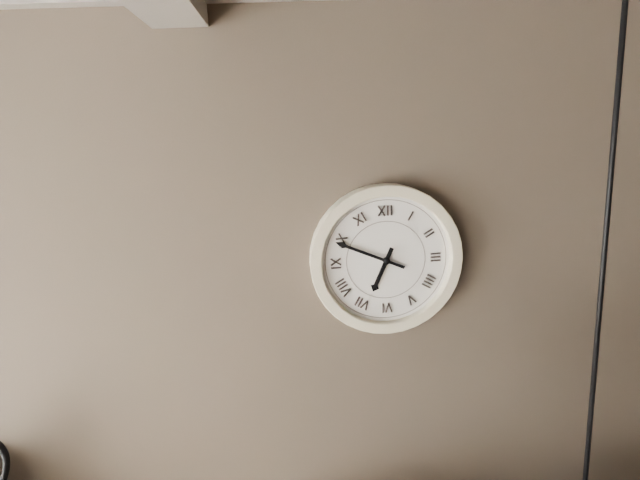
6:49
